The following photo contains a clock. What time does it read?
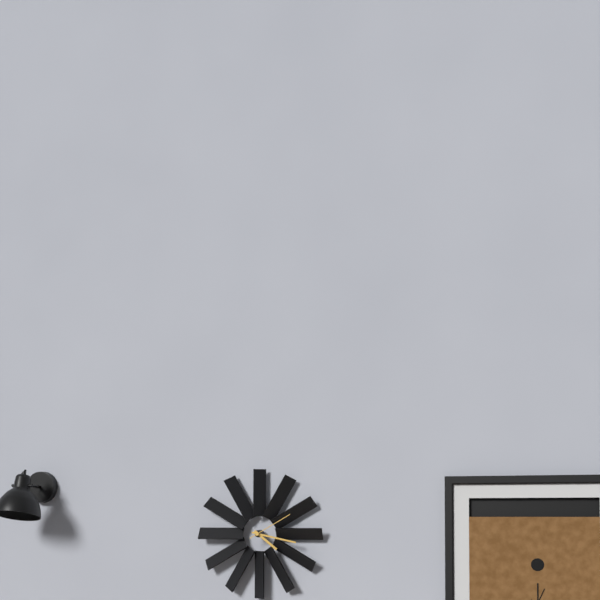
4:17
